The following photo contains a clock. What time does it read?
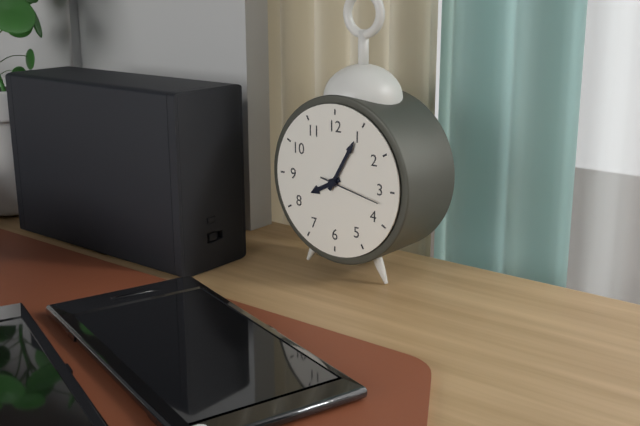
8:05:17
